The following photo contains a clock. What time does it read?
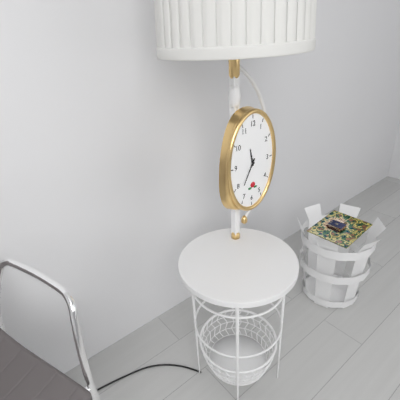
11:35
